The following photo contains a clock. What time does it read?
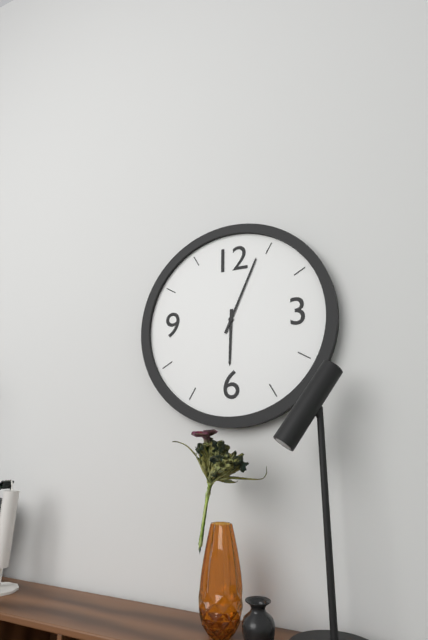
6:04
